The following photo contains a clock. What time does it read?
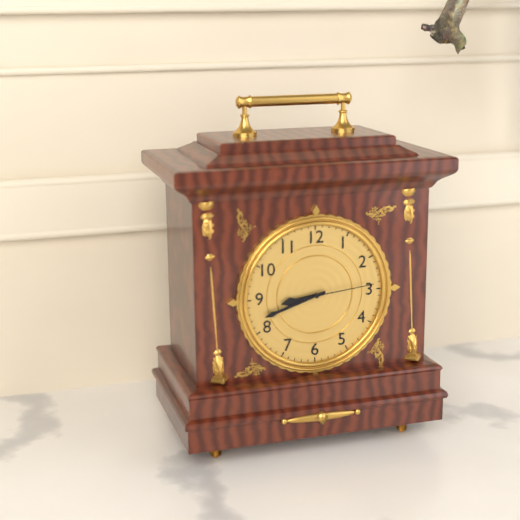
8:42:14
